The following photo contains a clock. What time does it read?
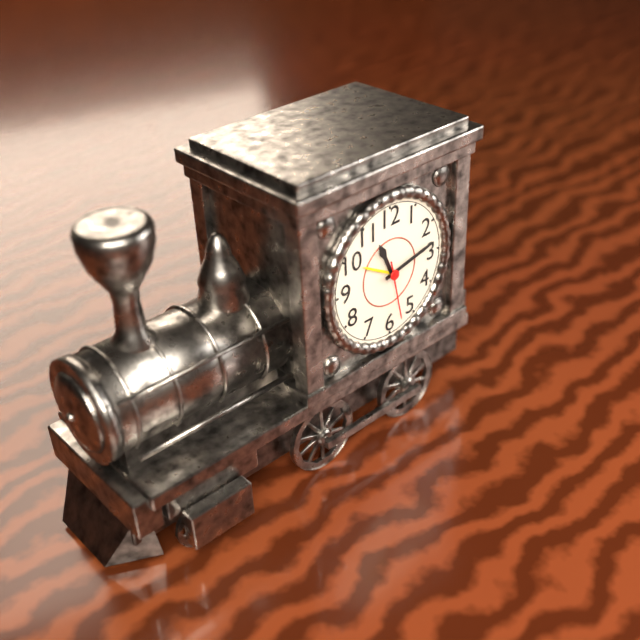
11:13:28
